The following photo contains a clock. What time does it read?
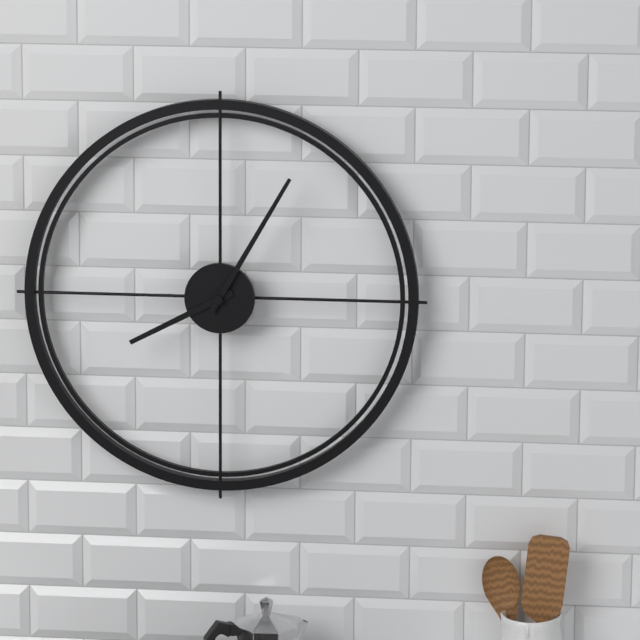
8:05
